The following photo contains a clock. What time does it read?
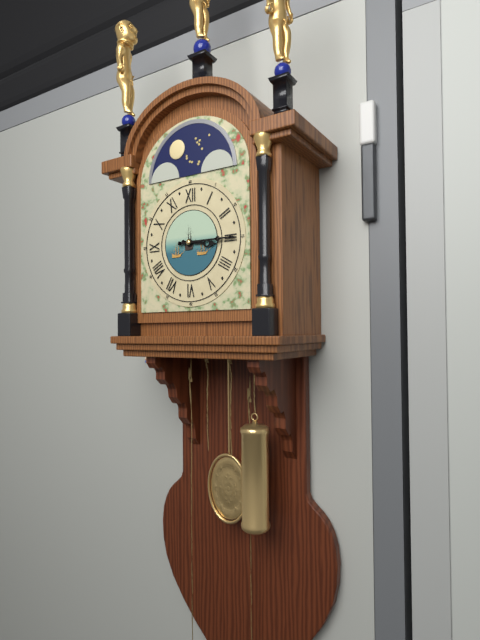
3:15
